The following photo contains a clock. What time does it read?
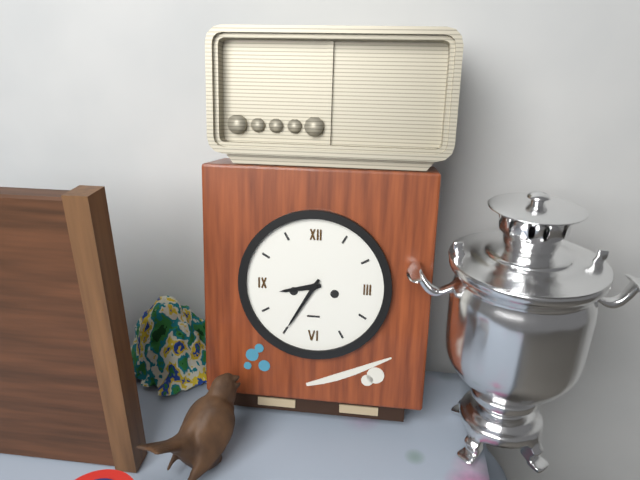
8:35
